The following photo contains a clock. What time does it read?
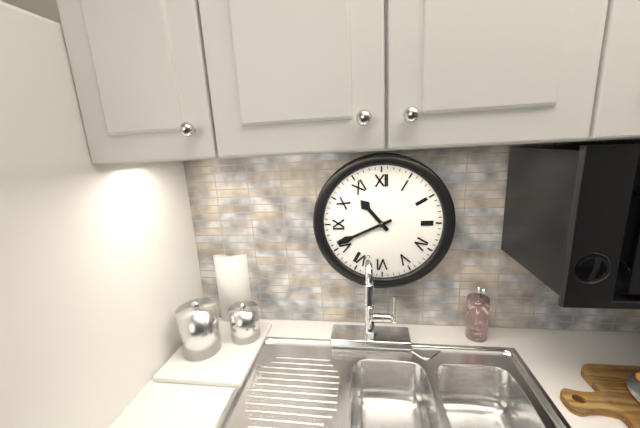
10:41
